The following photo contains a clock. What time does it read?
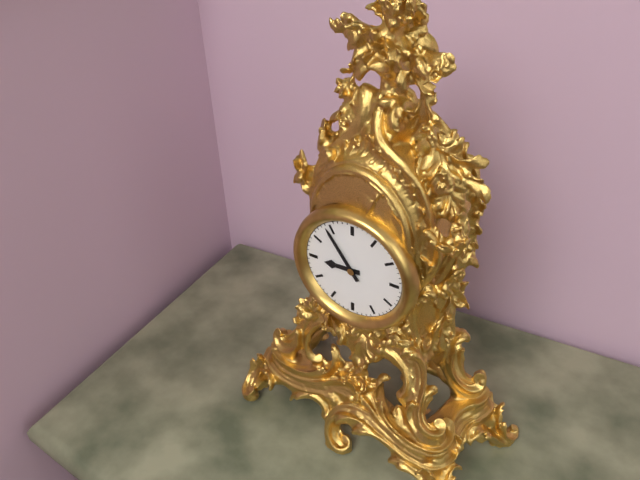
8:54
